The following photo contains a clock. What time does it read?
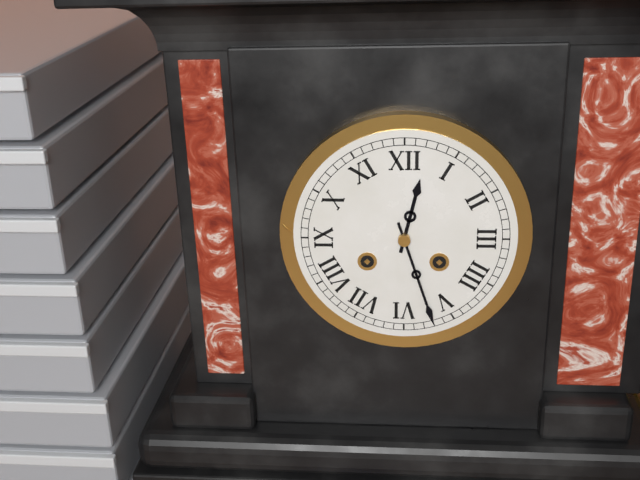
12:27
